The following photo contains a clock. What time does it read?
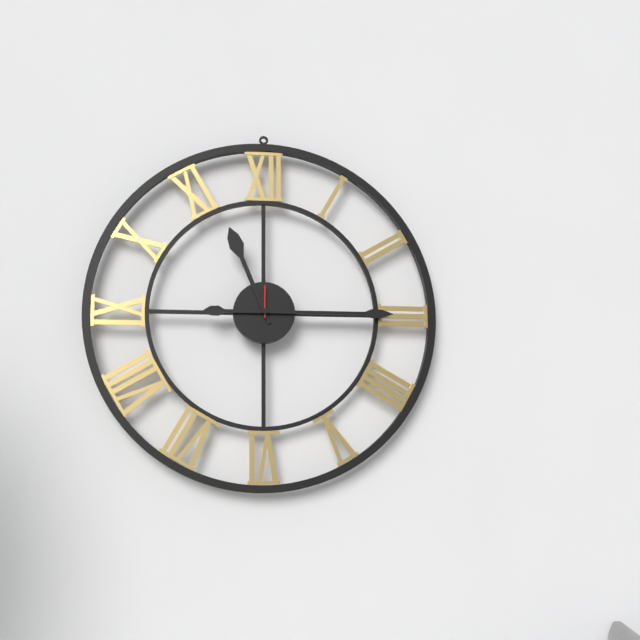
11:15
